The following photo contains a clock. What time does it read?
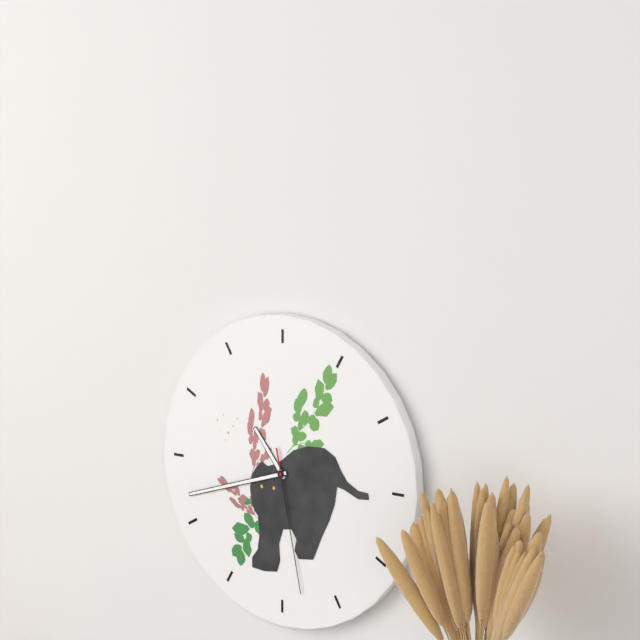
10:42:28
